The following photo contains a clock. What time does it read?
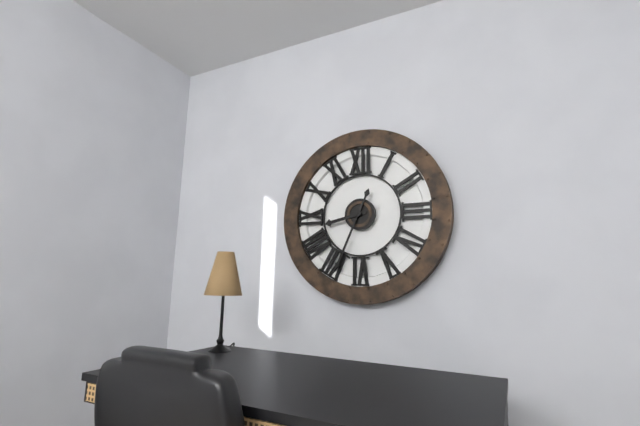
8:34
